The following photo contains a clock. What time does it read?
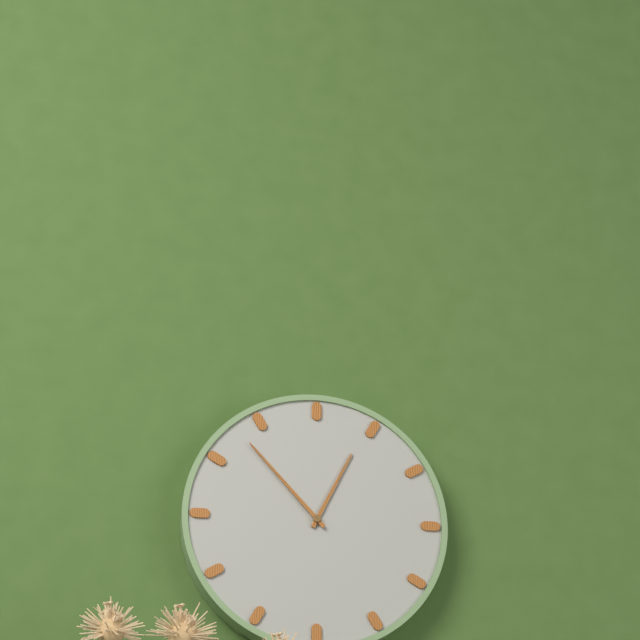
12:53
